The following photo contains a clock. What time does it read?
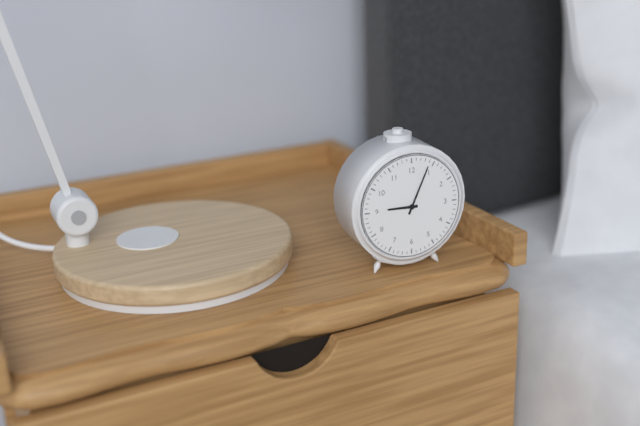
9:04
